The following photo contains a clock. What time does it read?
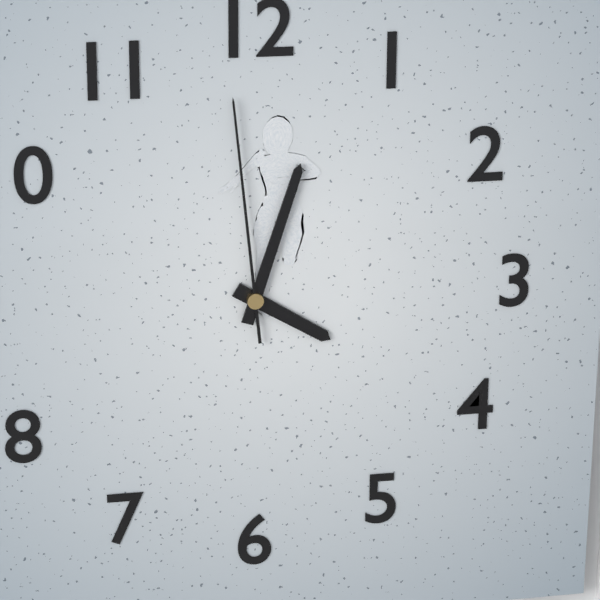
4:03:59
